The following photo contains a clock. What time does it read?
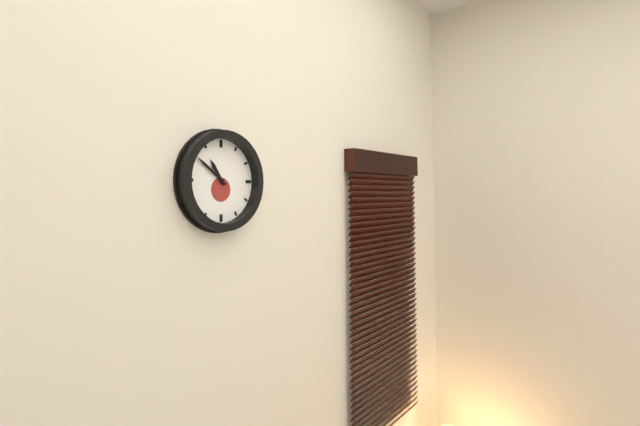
10:51
